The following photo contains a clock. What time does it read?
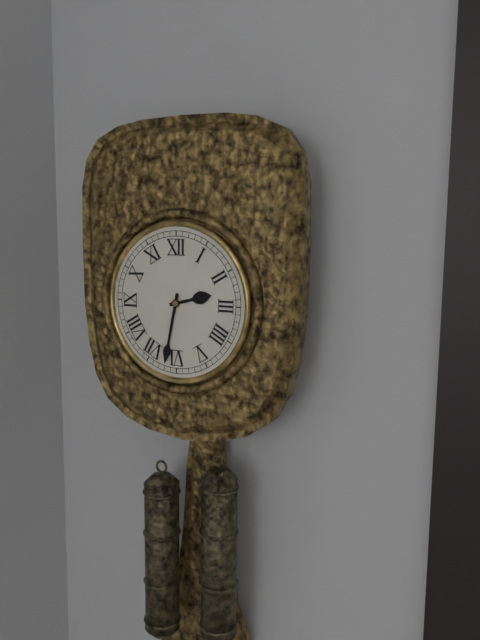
2:32
